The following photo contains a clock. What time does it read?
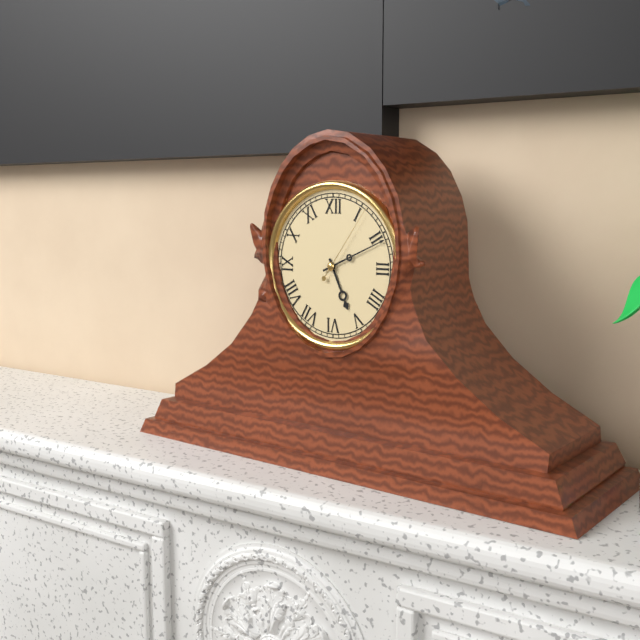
5:11:06
